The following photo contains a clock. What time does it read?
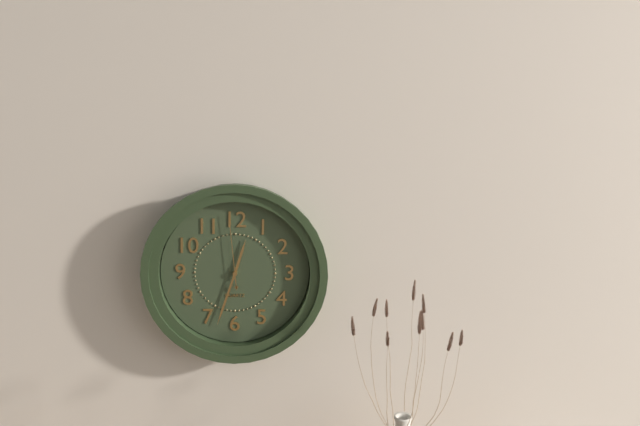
12:33:59
